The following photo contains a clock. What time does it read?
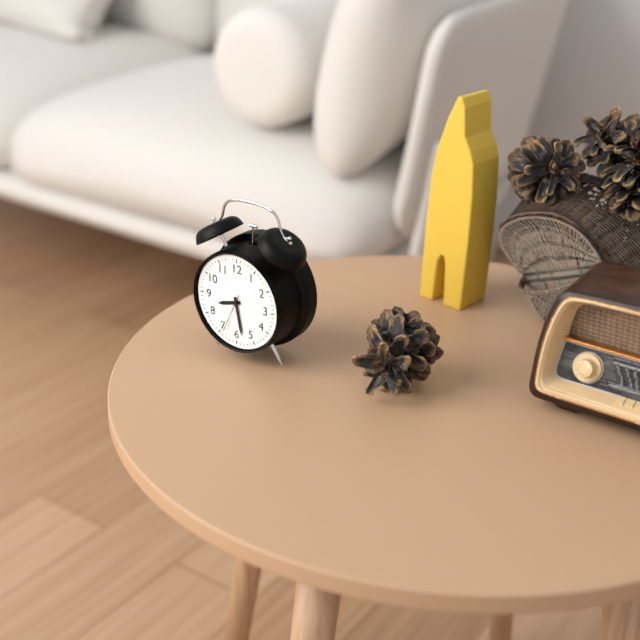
8:28
